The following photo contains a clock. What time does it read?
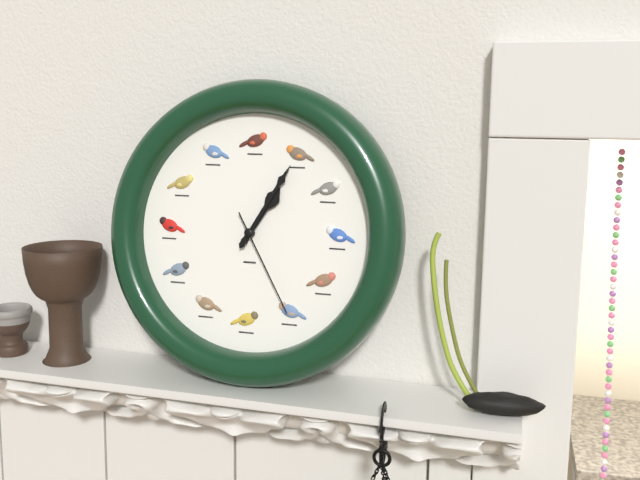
1:05:25
